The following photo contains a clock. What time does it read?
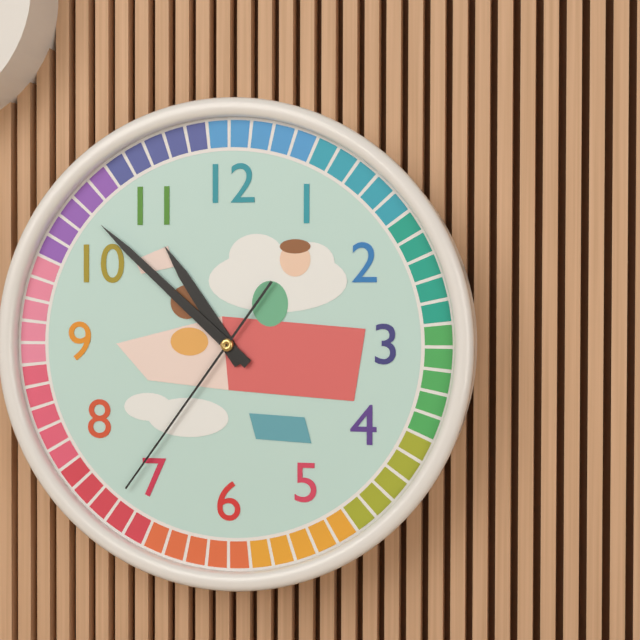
10:52:36
